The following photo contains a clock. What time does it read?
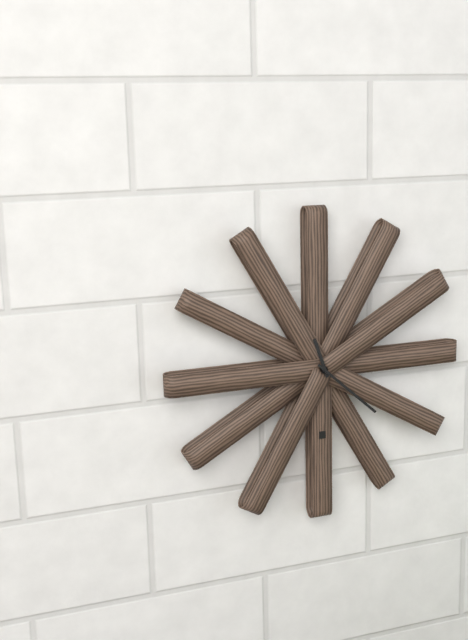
11:22
